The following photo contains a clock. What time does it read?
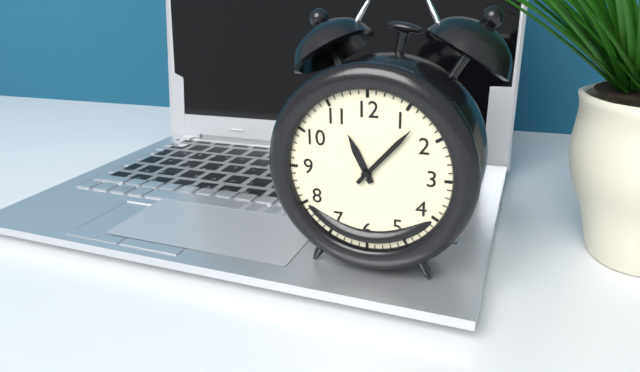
11:07
